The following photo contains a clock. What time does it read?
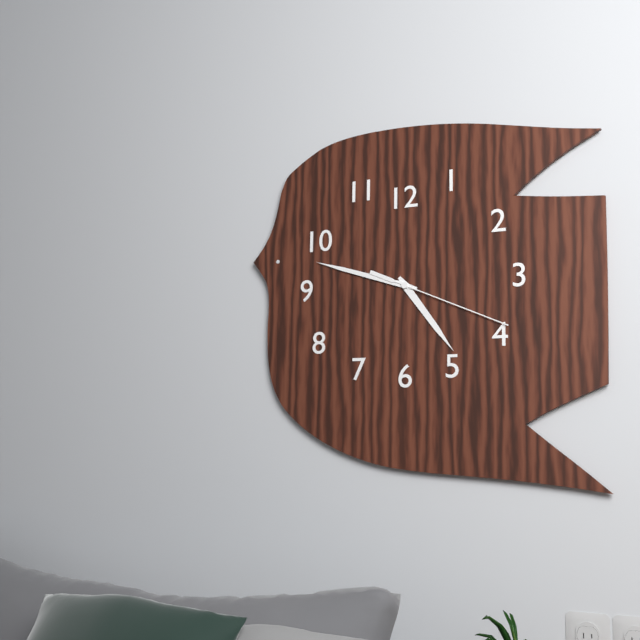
4:48:19
